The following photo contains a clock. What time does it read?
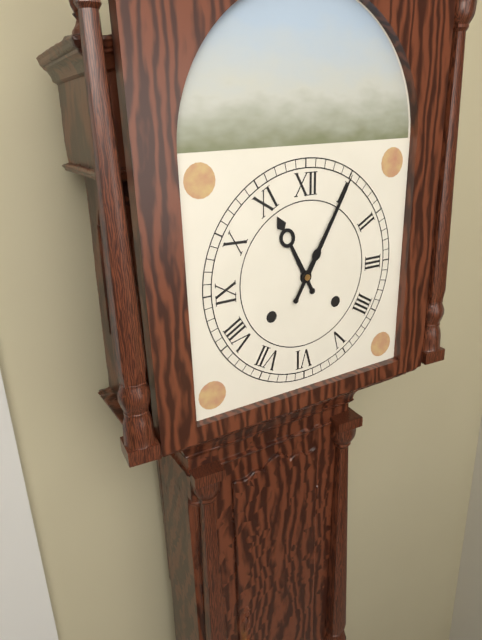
11:05
